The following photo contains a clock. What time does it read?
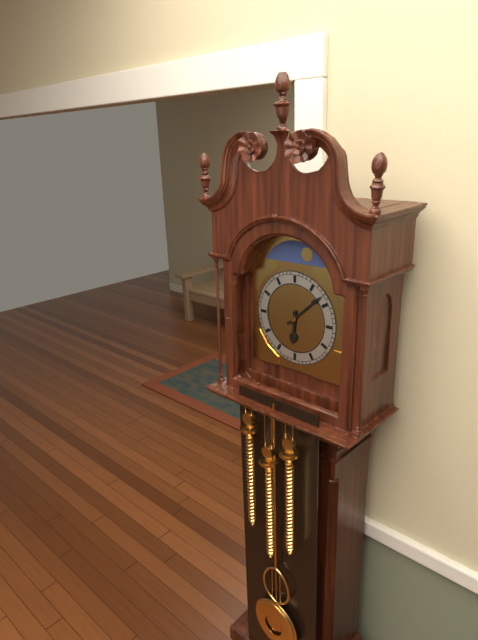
6:08
